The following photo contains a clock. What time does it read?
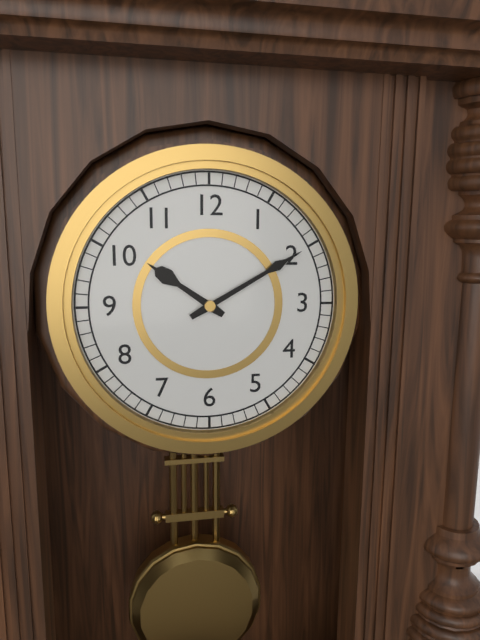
10:10
